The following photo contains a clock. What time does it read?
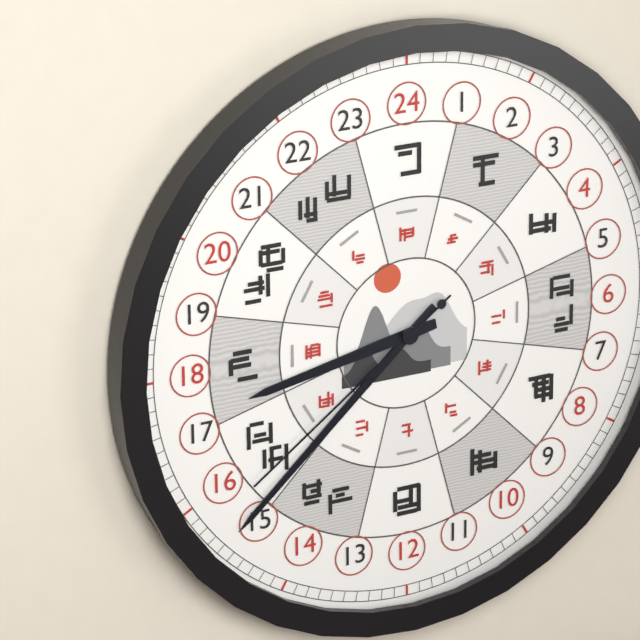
8:38:39
